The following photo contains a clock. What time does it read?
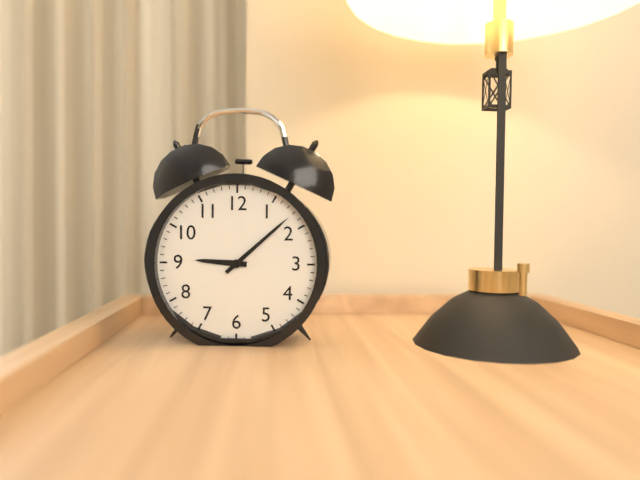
9:08
